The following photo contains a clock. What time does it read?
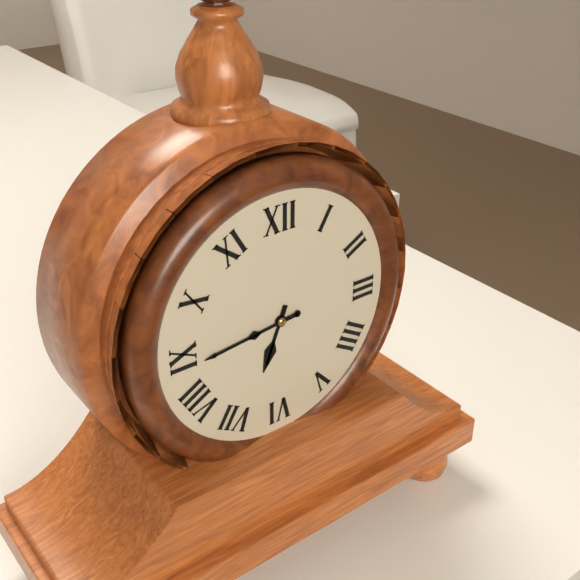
6:44
